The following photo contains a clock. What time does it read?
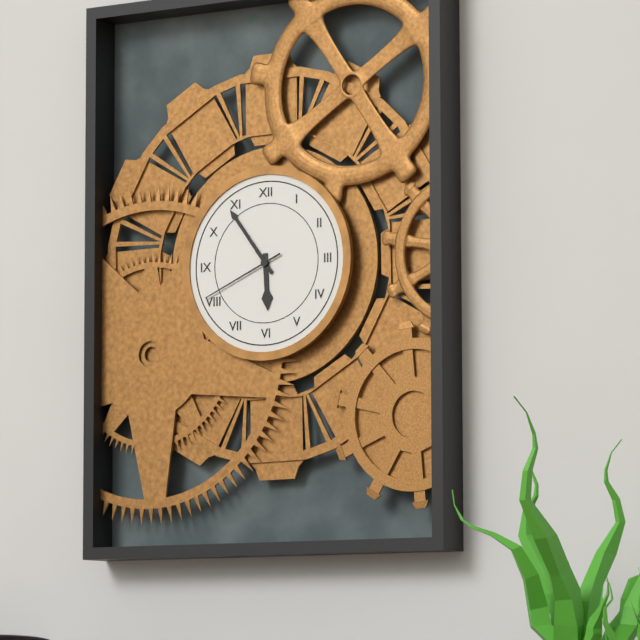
5:54:41
